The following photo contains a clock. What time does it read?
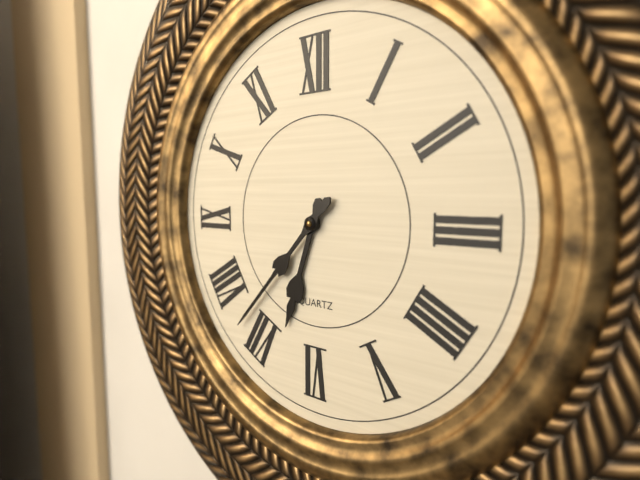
6:37
